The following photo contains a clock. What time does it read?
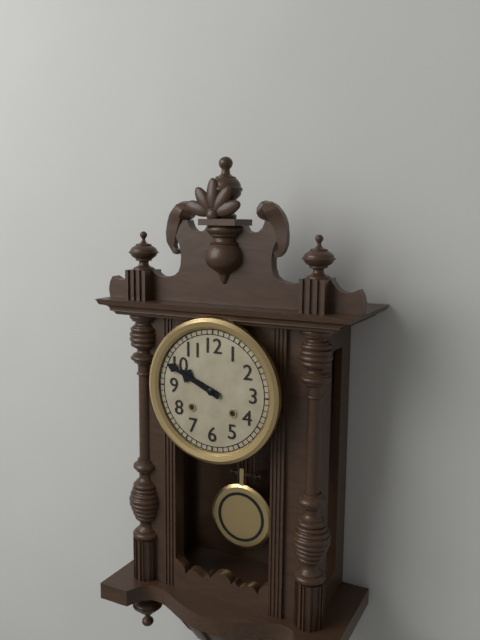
9:49
